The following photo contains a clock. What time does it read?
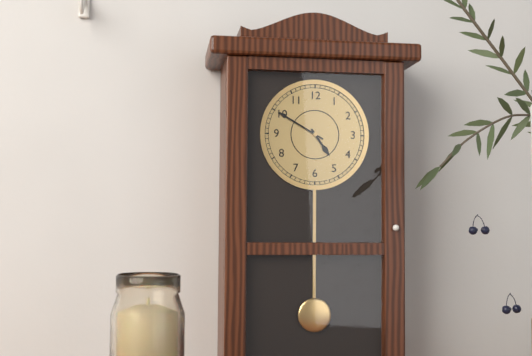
4:50
